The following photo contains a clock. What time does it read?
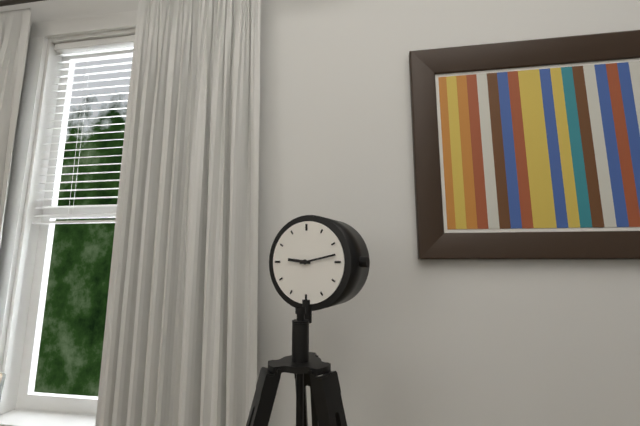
9:13
